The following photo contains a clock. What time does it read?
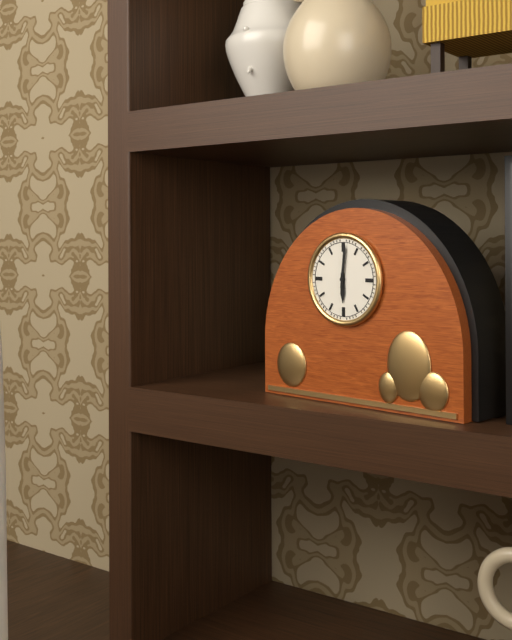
6:01
